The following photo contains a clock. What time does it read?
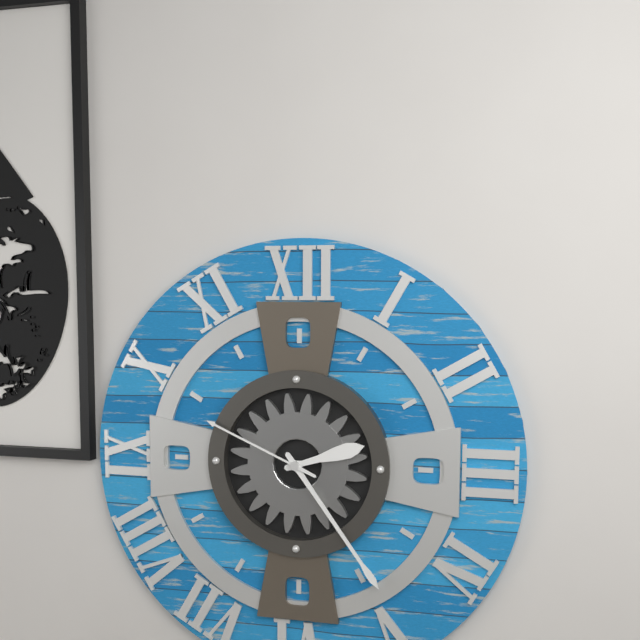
2:24:49
